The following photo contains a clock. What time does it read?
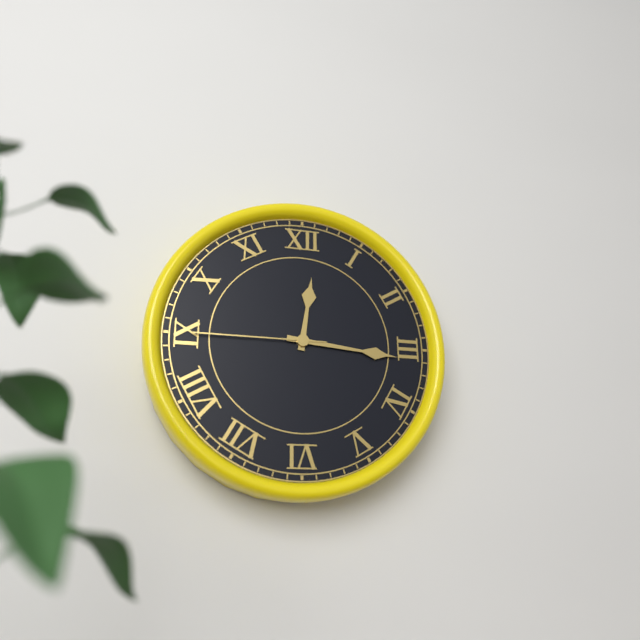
12:16:45
